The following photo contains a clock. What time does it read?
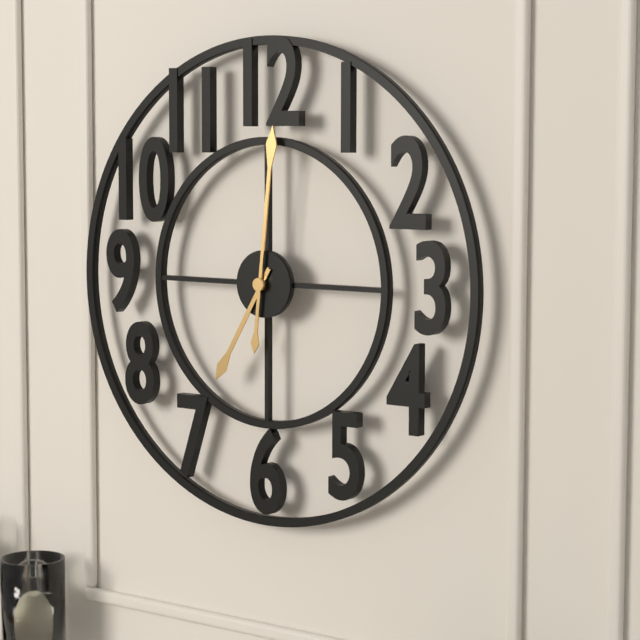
7:01
